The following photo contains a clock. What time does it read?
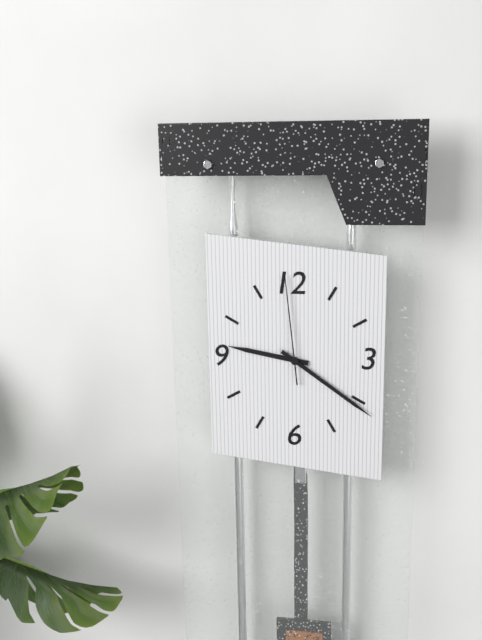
9:21:59
